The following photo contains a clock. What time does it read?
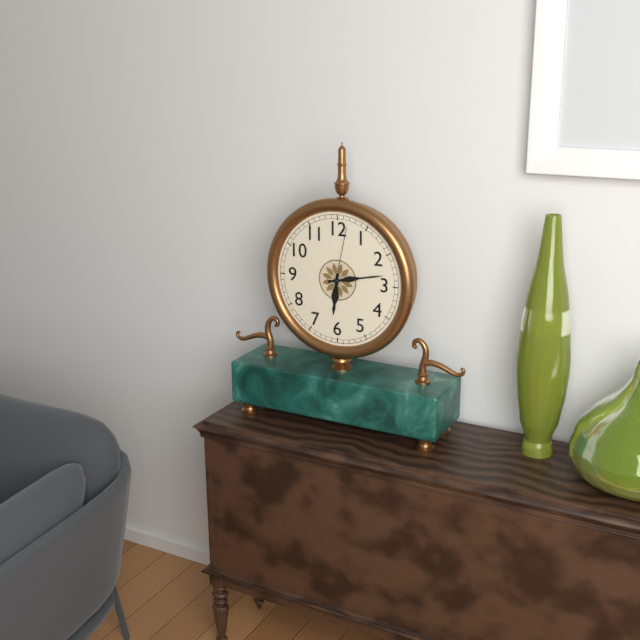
6:13:02
